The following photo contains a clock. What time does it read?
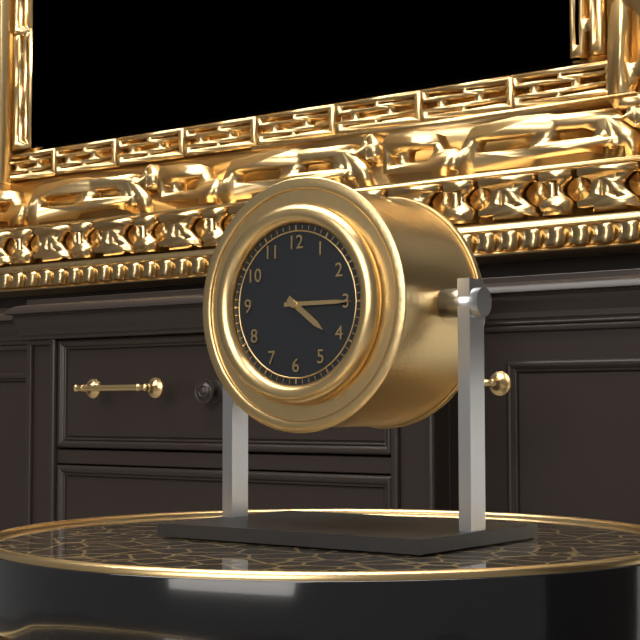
4:15
